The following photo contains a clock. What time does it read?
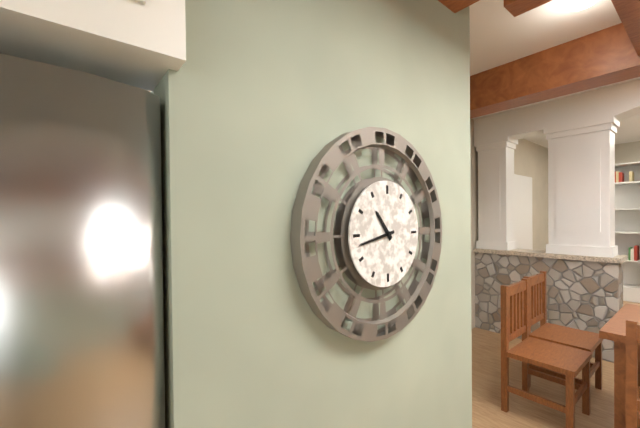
10:43
